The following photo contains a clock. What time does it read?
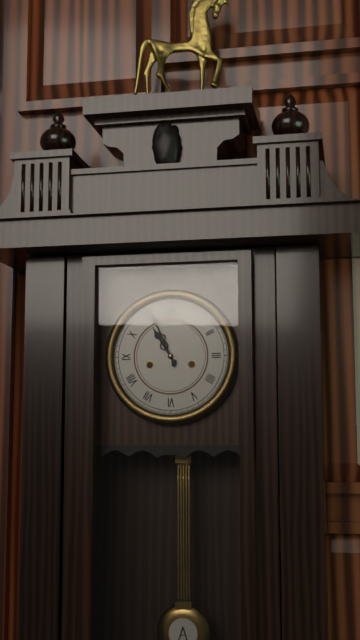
10:56
